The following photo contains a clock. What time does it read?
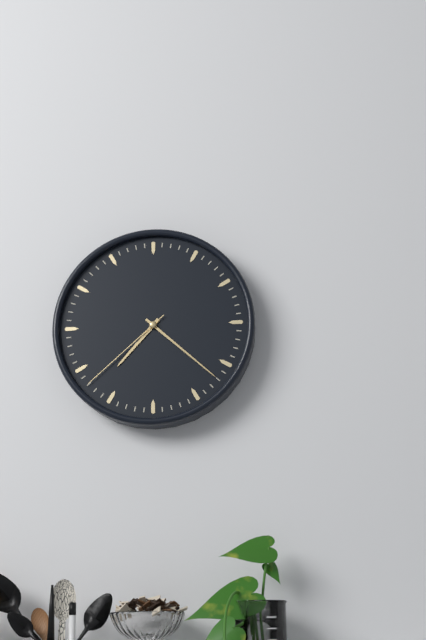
7:22:38
